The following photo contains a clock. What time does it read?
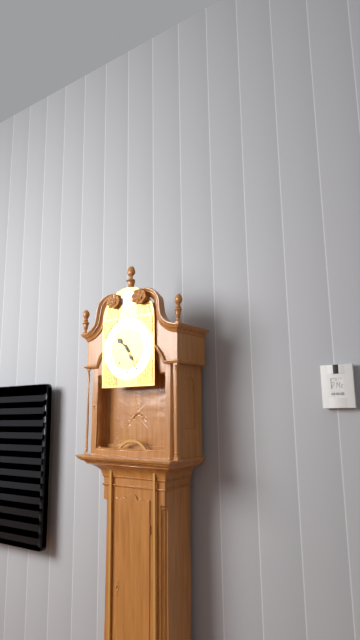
10:25
